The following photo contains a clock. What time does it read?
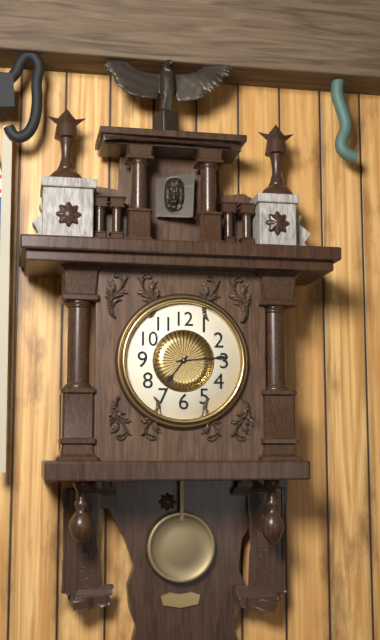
7:14
